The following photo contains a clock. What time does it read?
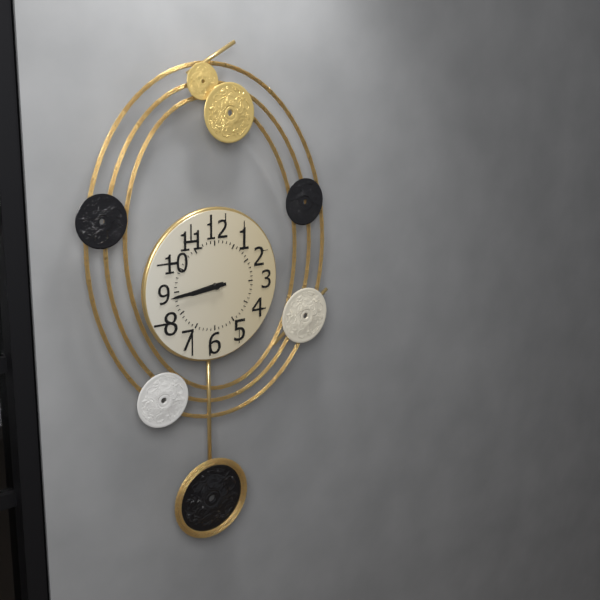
8:44
